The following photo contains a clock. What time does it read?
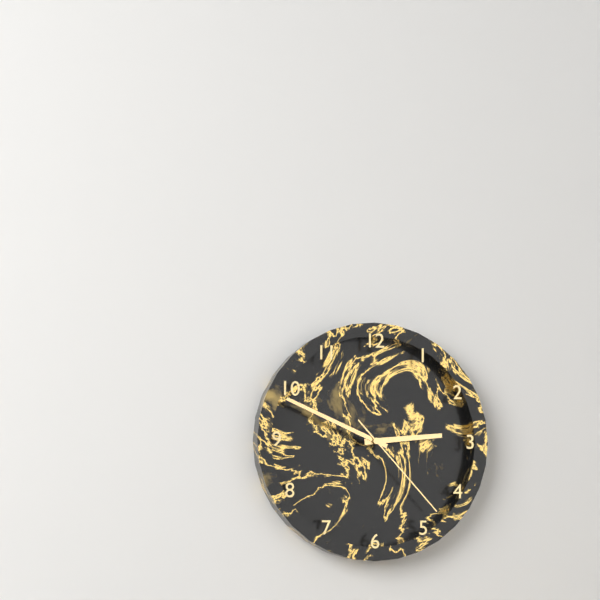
2:49:23
